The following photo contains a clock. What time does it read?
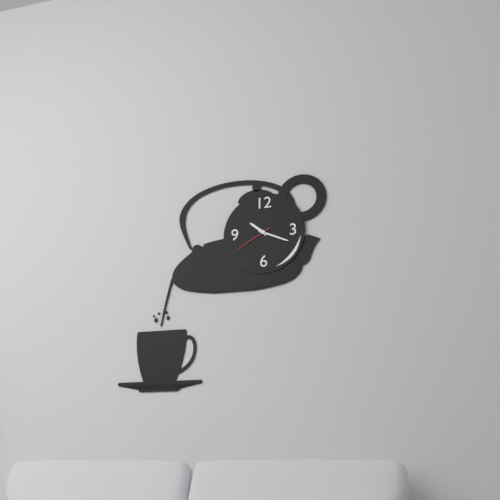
10:19
